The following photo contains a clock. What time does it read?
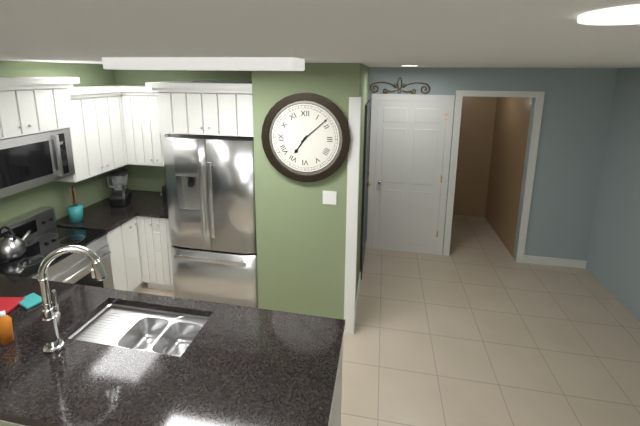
7:08
